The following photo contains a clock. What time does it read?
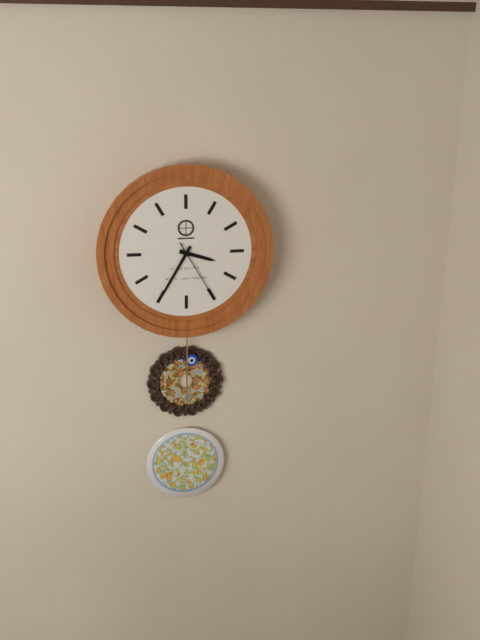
3:35:25
